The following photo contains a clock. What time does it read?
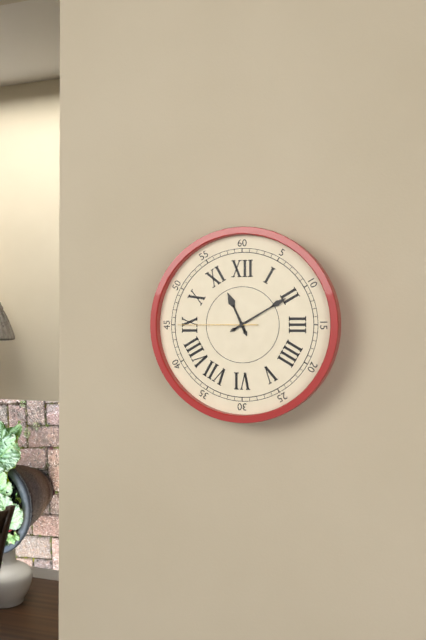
11:10:45
